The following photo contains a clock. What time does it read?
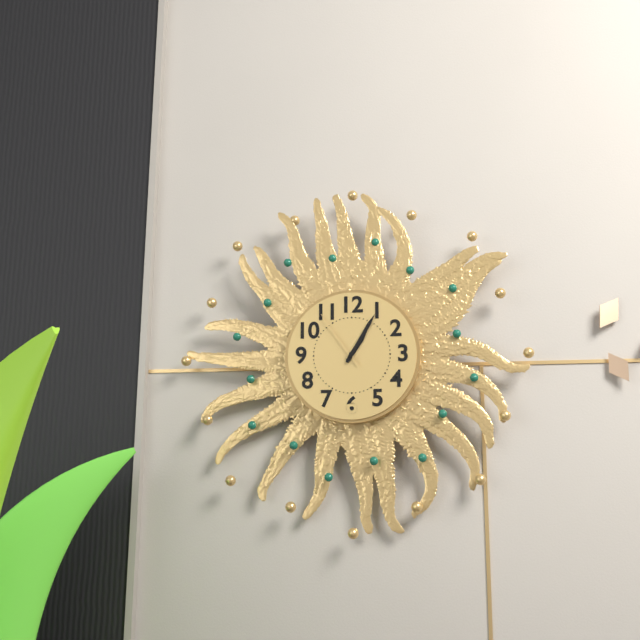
1:05:54
